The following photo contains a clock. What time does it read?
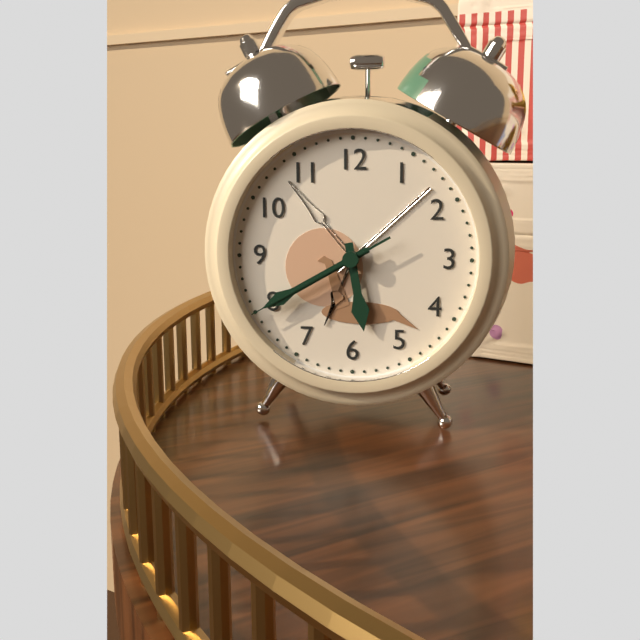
5:40:40
